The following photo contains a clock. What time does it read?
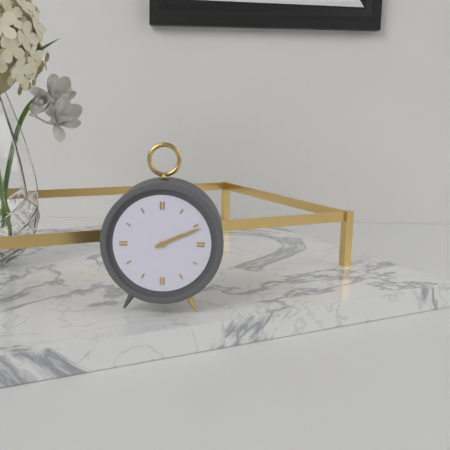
2:11
